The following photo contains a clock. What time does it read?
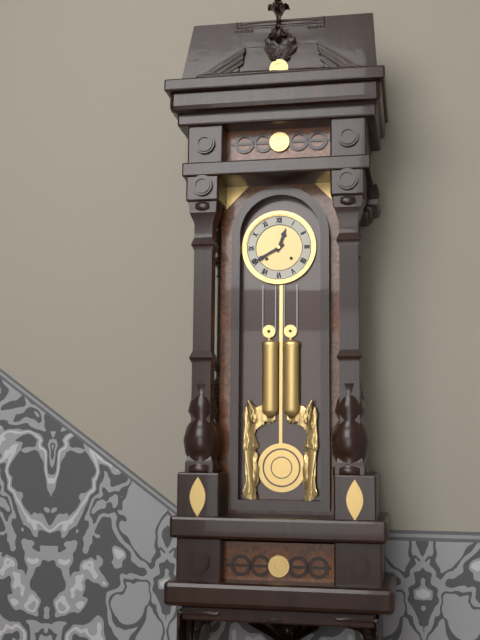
12:40
